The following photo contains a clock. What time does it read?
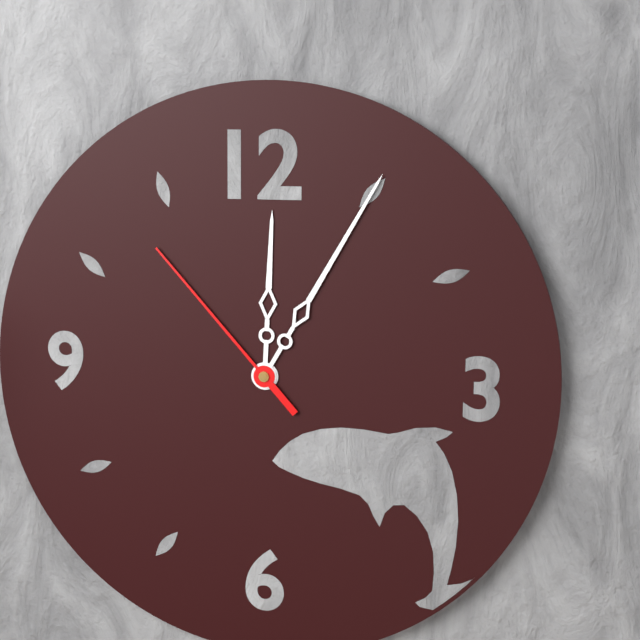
12:05:53
